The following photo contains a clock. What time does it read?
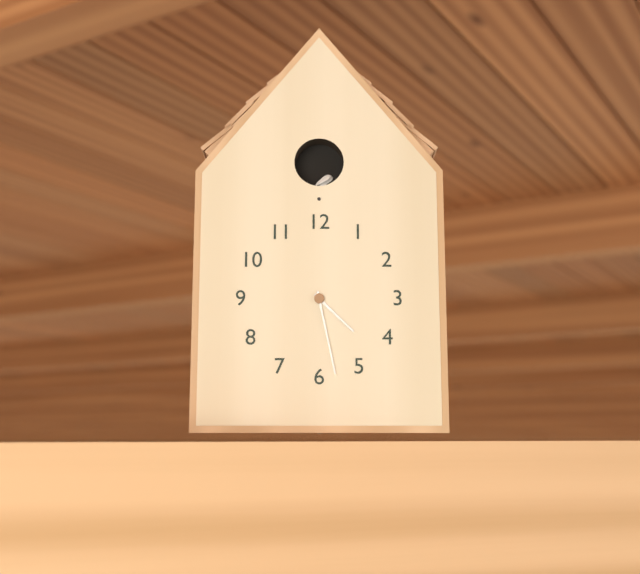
4:28
